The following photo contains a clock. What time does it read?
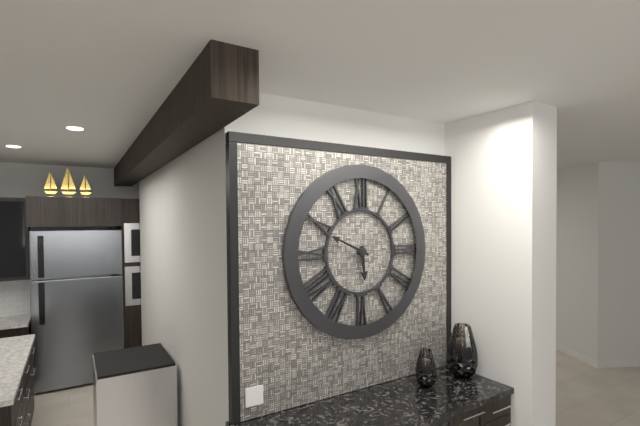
5:49
